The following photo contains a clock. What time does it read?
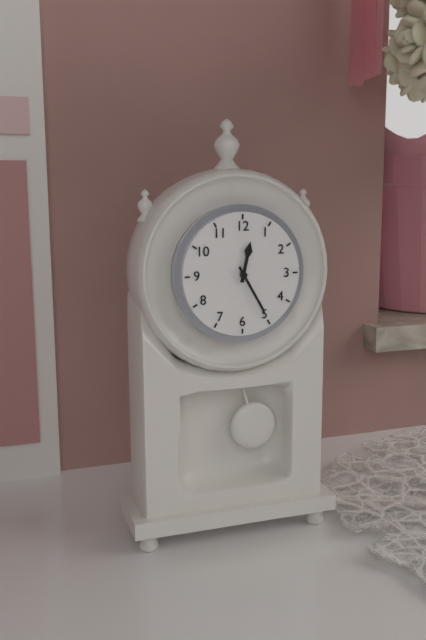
12:25
